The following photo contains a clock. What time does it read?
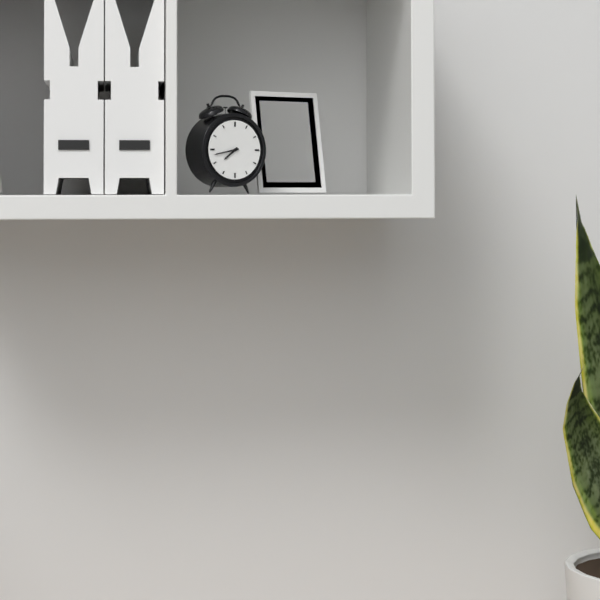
7:43
